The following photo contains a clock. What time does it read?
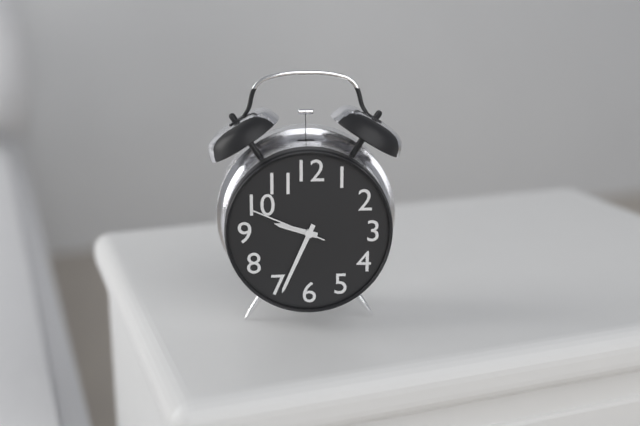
9:34:49
